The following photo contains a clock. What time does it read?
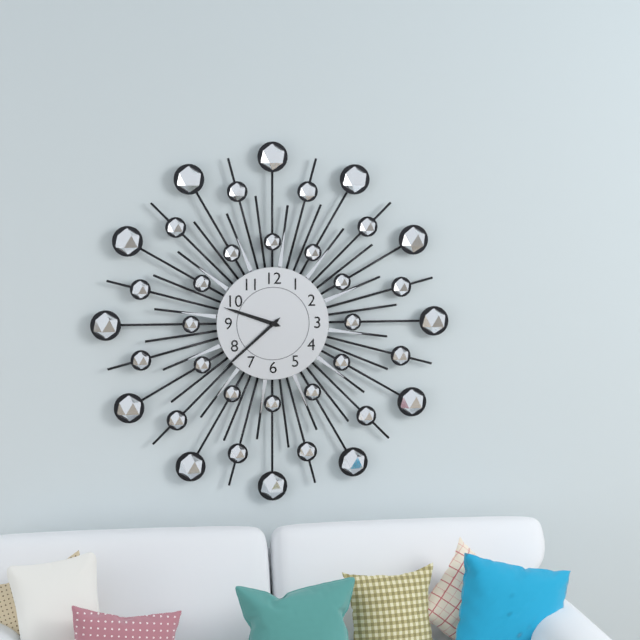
9:38
